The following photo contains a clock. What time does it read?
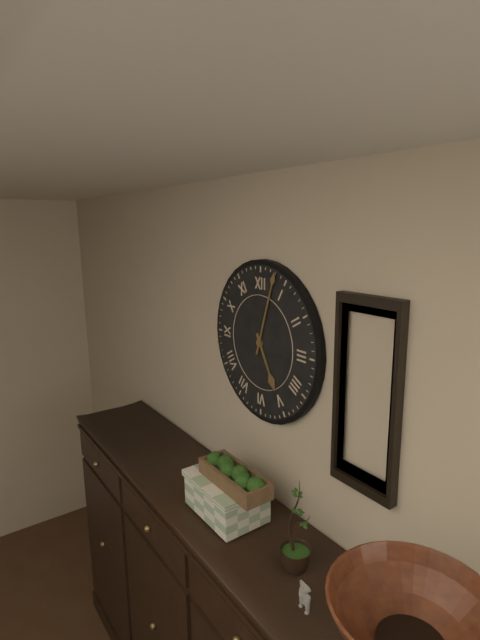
5:03
